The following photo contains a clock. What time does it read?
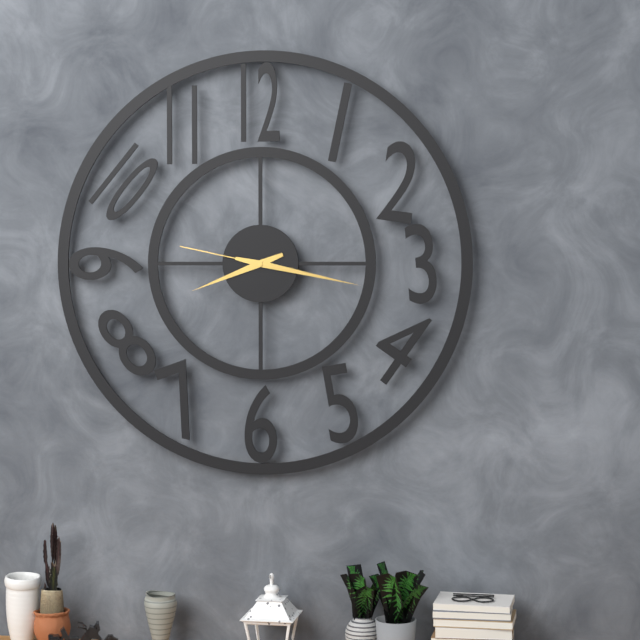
8:17:47
